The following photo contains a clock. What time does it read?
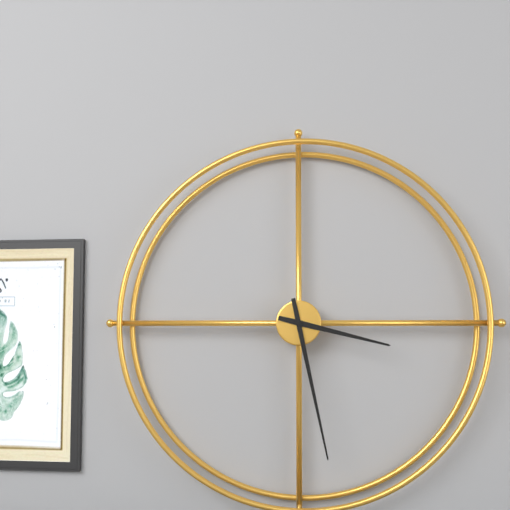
3:28
